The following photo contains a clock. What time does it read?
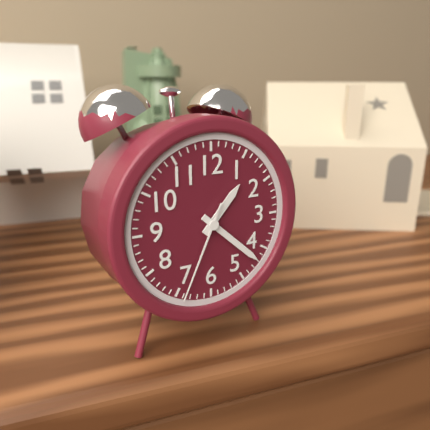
1:22:34
